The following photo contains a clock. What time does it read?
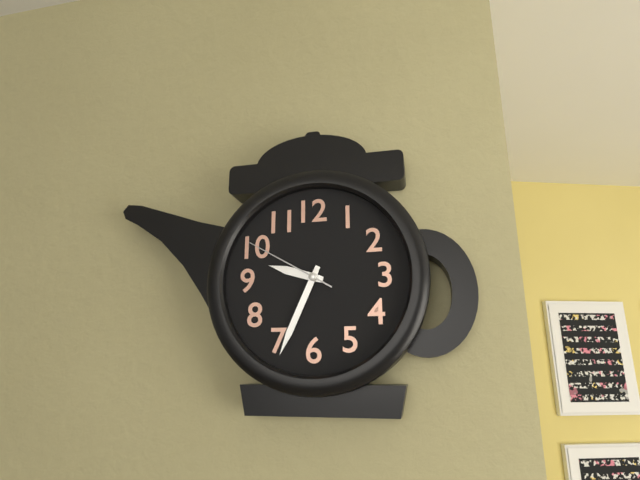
9:34:50
